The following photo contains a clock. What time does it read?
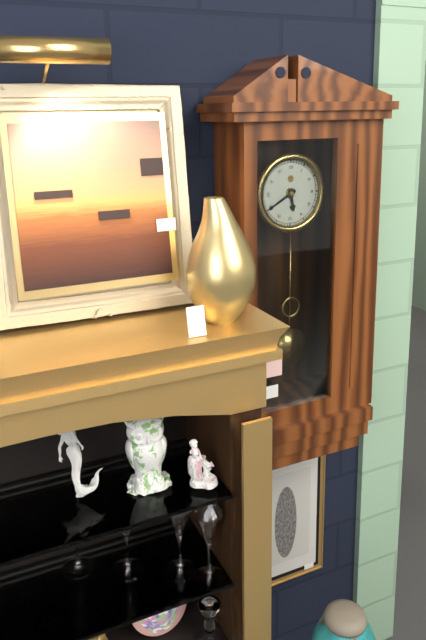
5:40
